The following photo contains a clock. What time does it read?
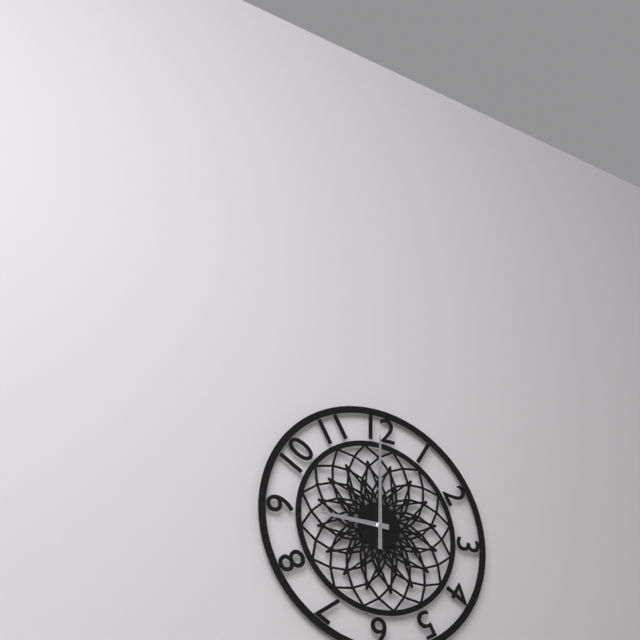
9:00
